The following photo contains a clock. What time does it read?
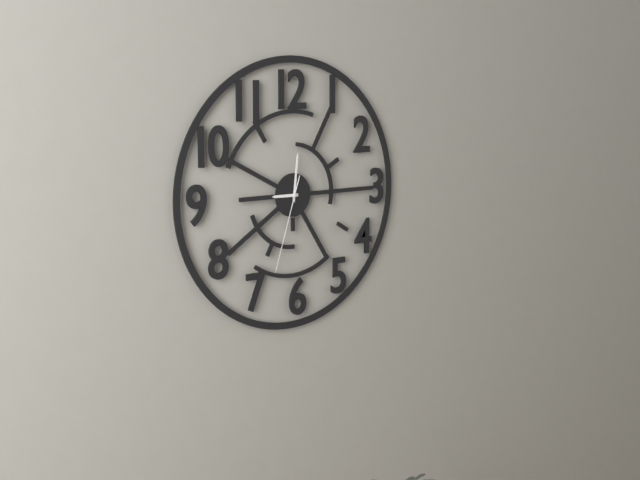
9:01:33
